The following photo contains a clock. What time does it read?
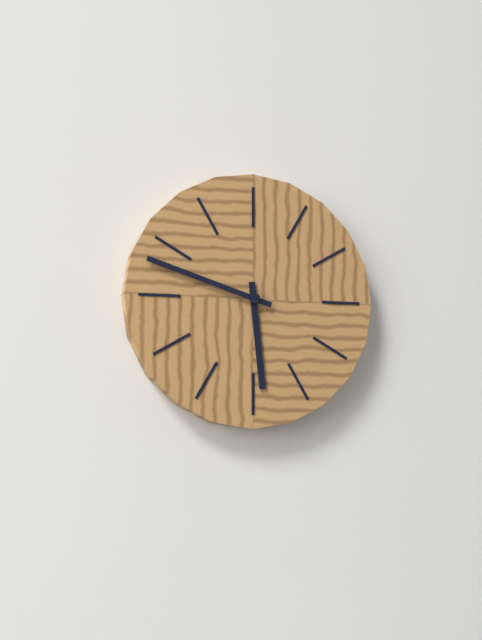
5:48
